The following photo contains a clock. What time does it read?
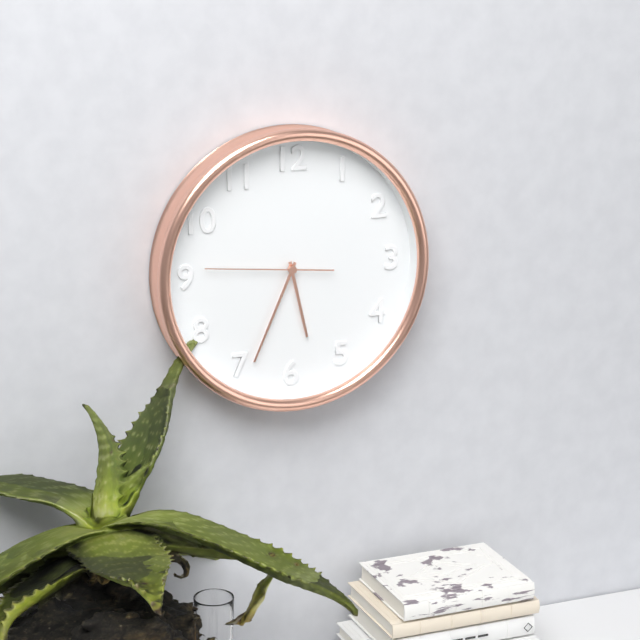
5:34:46
